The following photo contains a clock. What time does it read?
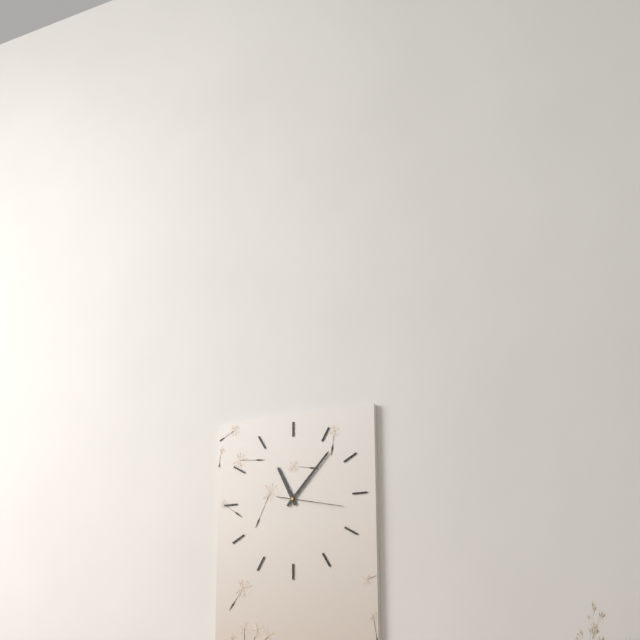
11:07:17
